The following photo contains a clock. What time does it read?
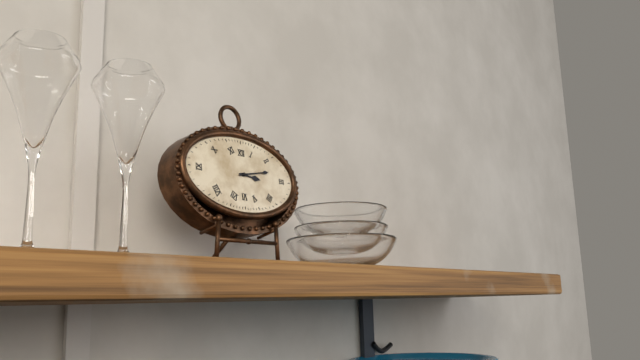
3:13
